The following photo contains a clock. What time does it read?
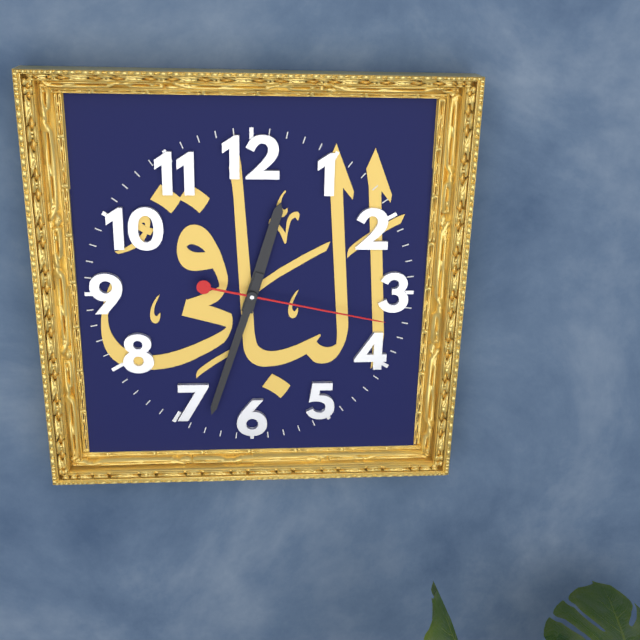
12:33:17
